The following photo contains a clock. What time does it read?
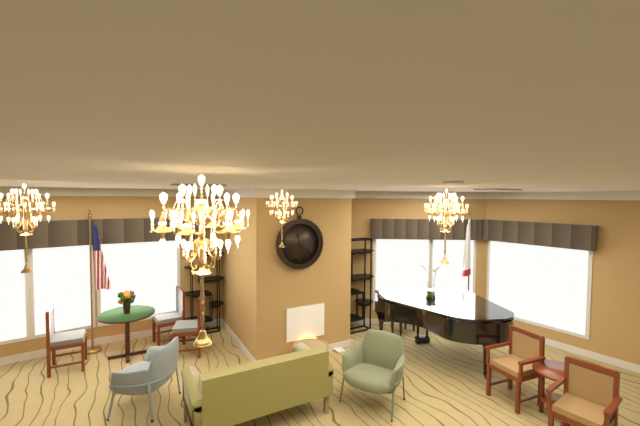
11:21
